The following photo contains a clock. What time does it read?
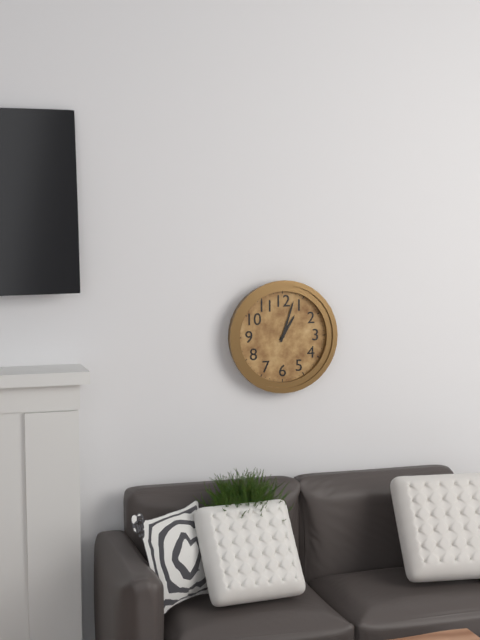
1:03
